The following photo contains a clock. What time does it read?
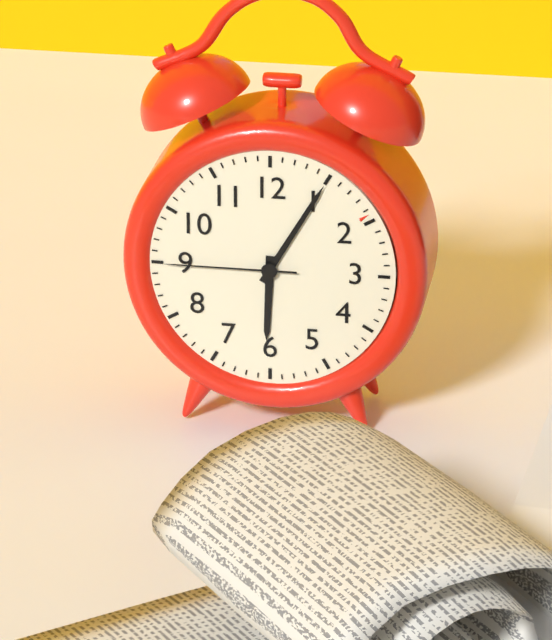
6:05:45
